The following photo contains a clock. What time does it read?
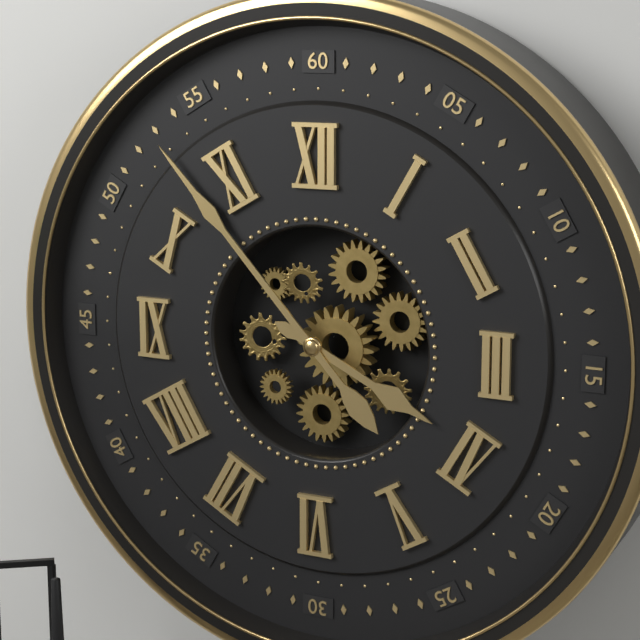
3:53
